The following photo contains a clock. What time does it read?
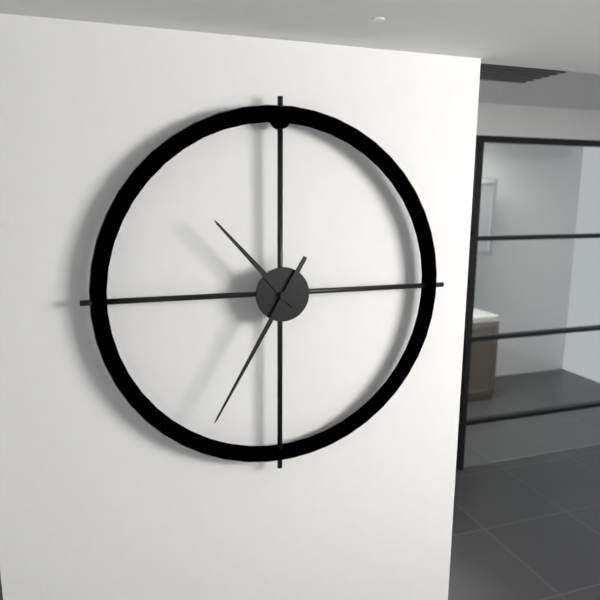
10:35
